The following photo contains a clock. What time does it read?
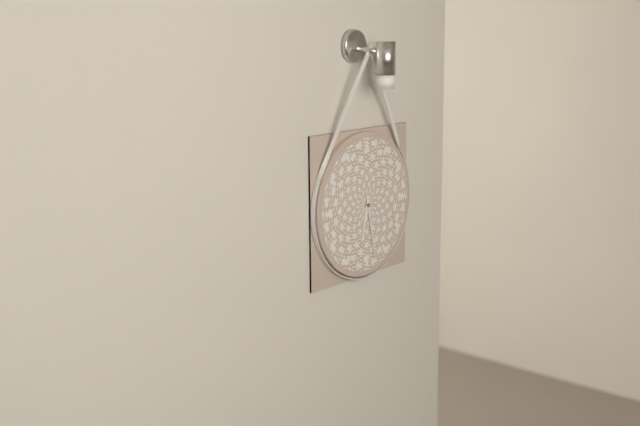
6:28
